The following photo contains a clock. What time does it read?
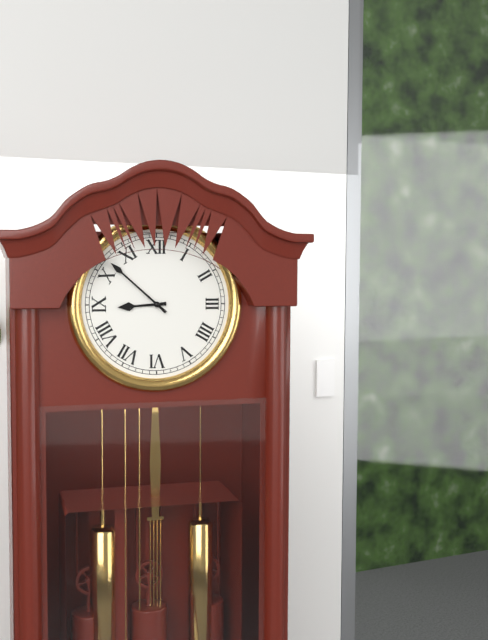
8:52
